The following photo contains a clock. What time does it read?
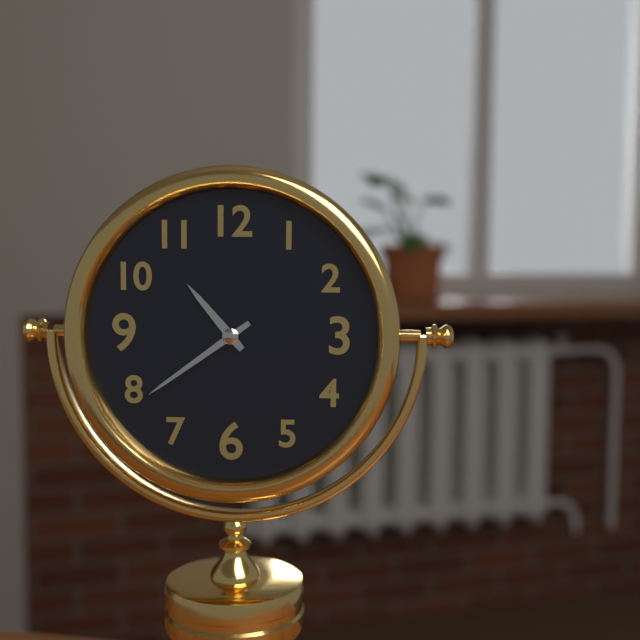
10:39
